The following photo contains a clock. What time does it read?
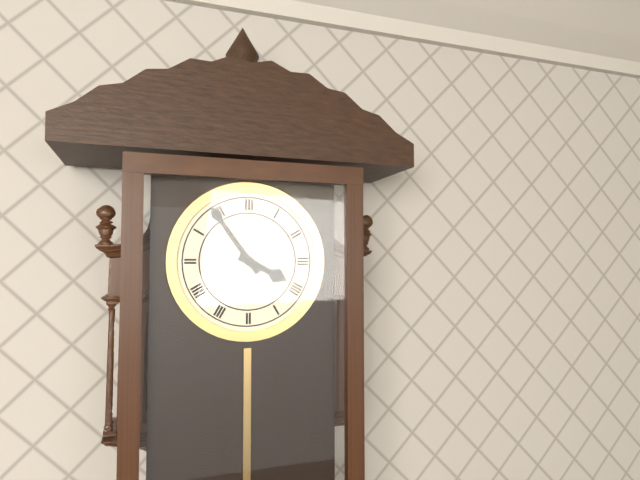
3:54
